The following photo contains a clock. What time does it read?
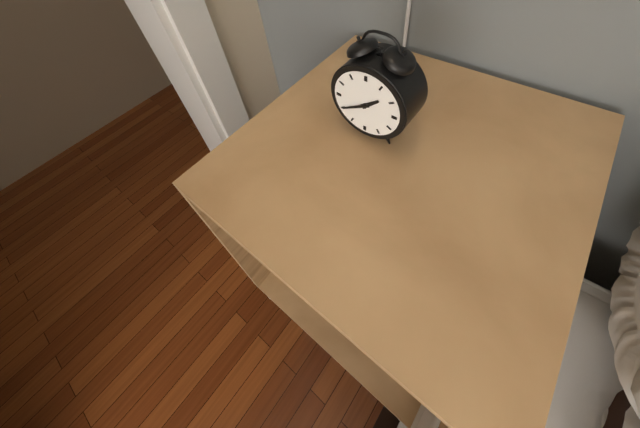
1:40
